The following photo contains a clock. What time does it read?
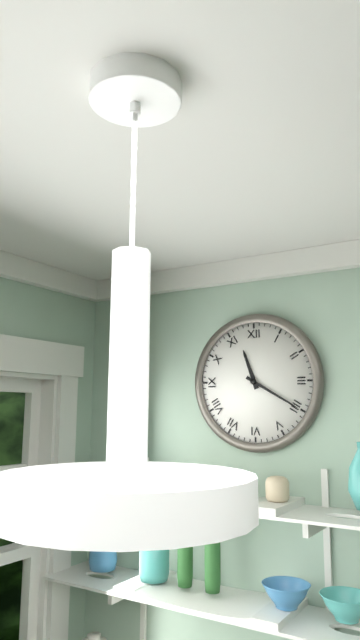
11:20
